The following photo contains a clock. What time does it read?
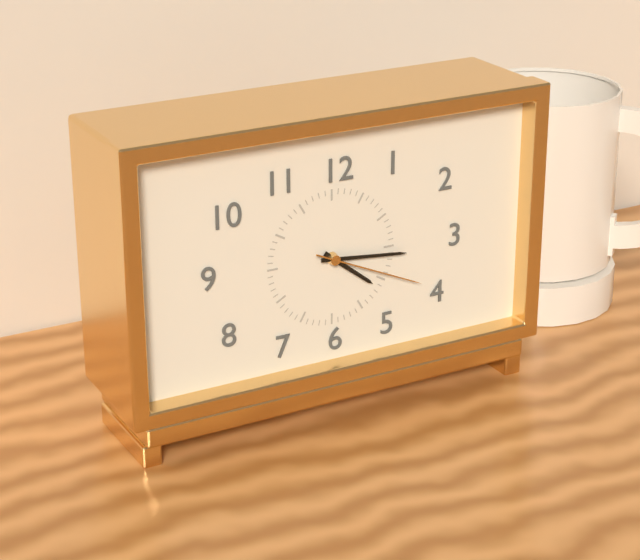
4:16:19
